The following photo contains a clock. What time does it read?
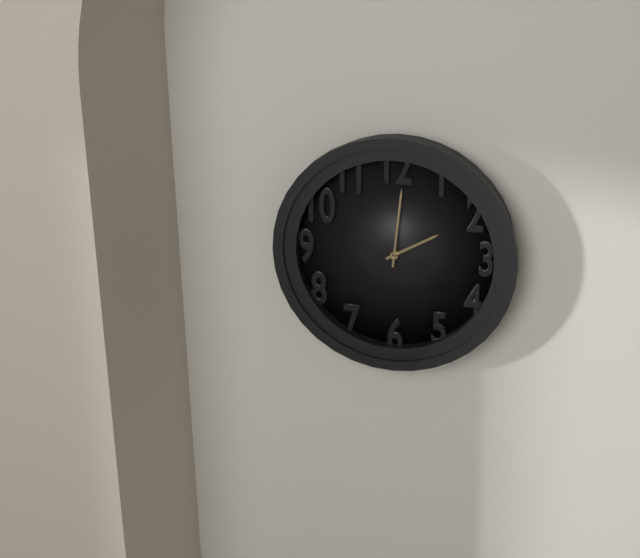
2:01
